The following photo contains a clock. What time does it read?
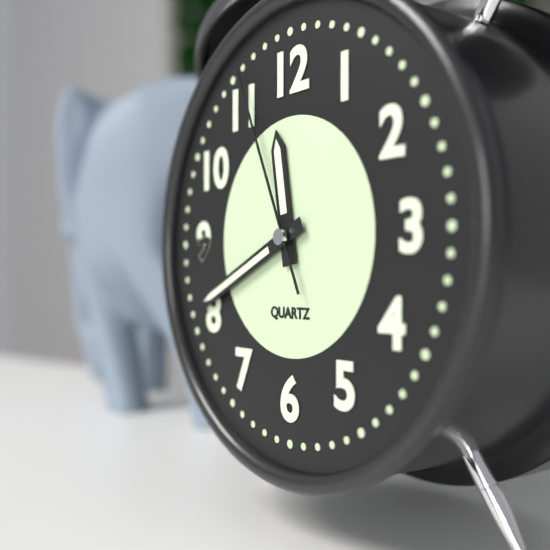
11:41:56
